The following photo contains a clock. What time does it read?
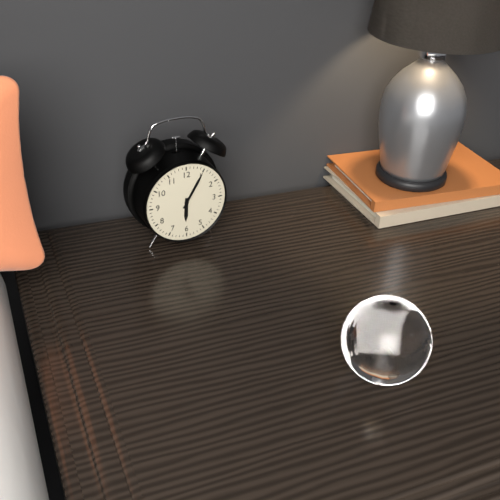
6:05
